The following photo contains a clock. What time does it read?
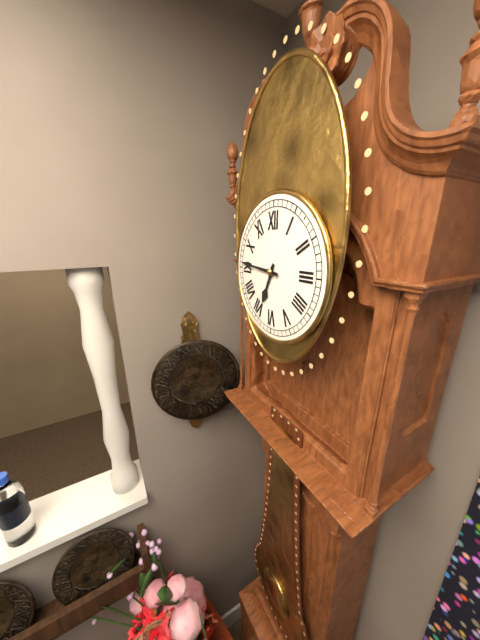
6:46
